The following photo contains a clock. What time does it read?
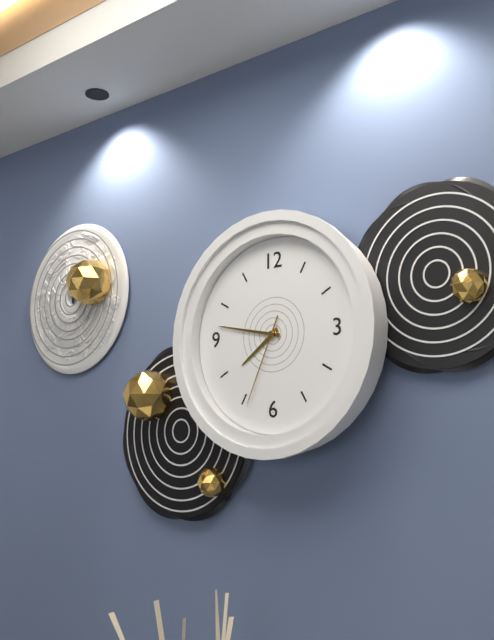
7:47:34
